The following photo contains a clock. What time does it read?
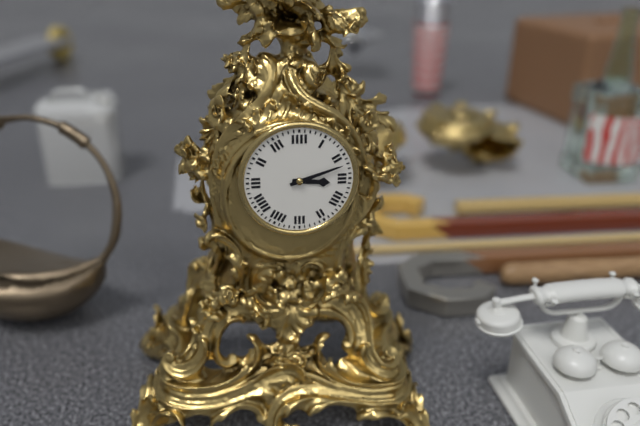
3:12
